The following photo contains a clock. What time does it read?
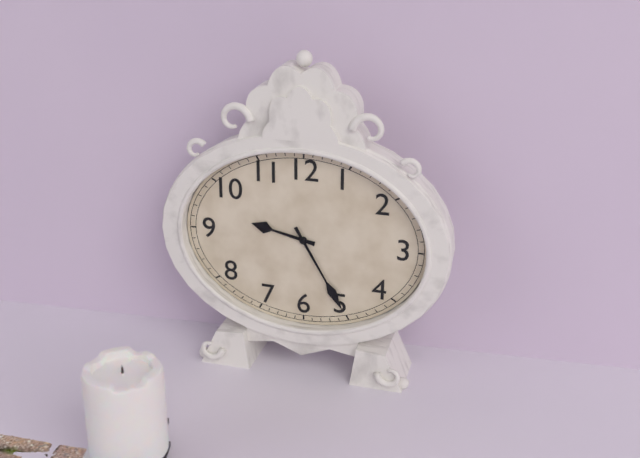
9:25
